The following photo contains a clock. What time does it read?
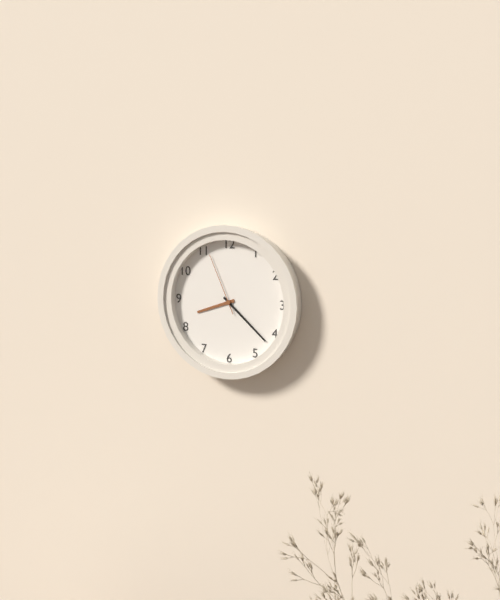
8:22:56
